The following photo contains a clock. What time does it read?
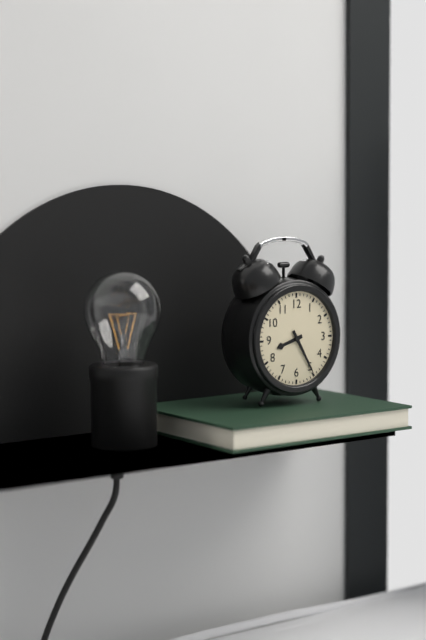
8:25
